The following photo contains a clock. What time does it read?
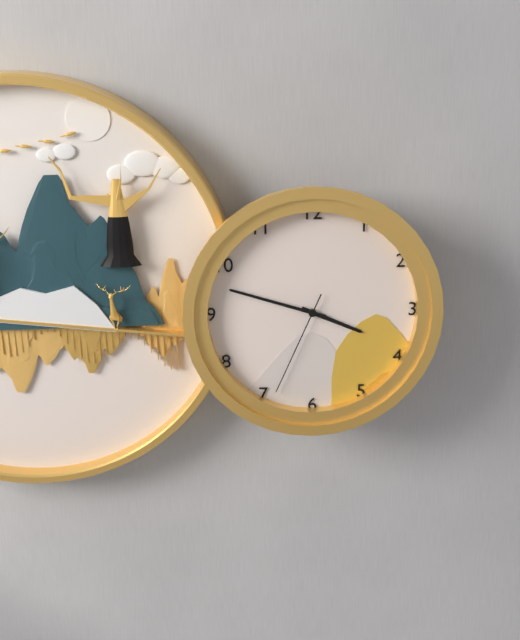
3:48:34
